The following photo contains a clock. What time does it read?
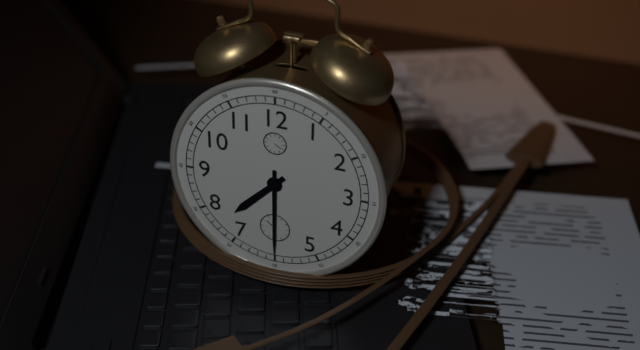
7:30
